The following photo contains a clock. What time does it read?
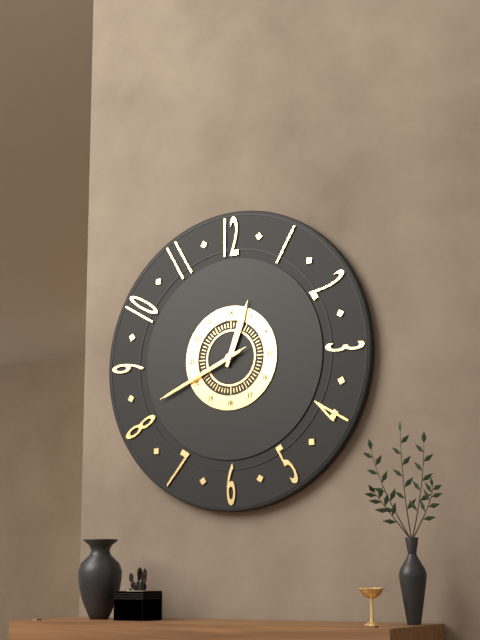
12:41:41
